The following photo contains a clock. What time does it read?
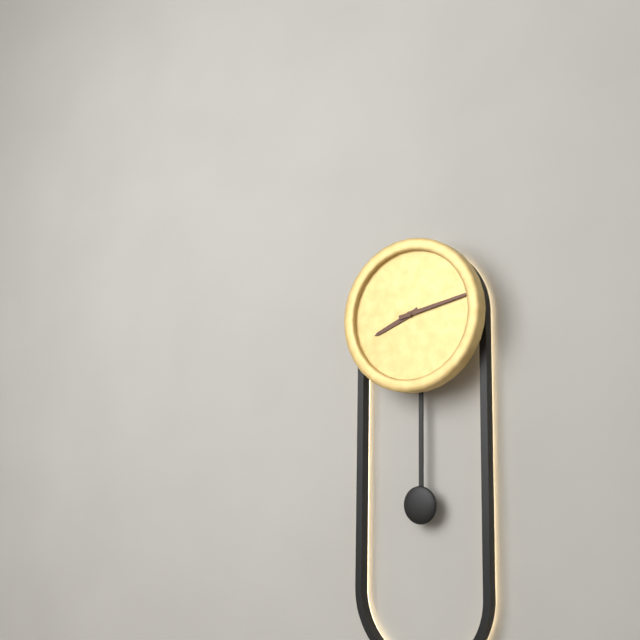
8:13
